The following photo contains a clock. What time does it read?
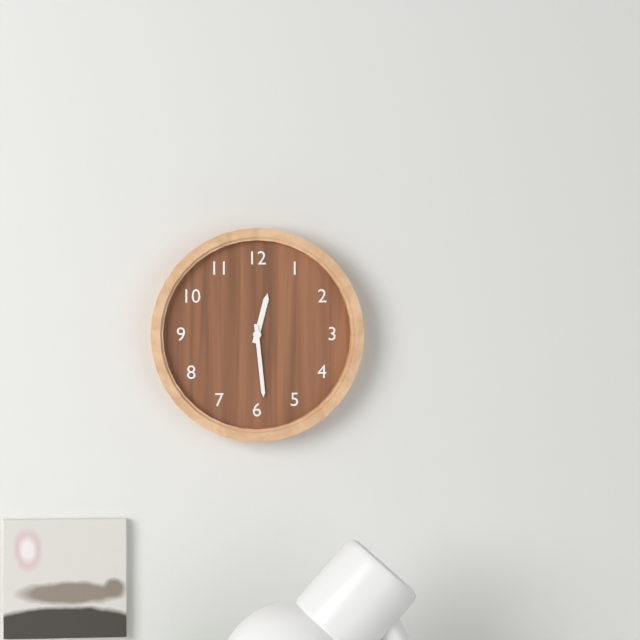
12:29
